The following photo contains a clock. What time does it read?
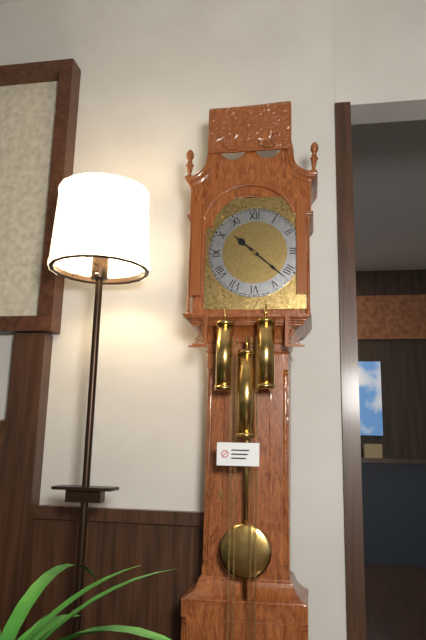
10:22
